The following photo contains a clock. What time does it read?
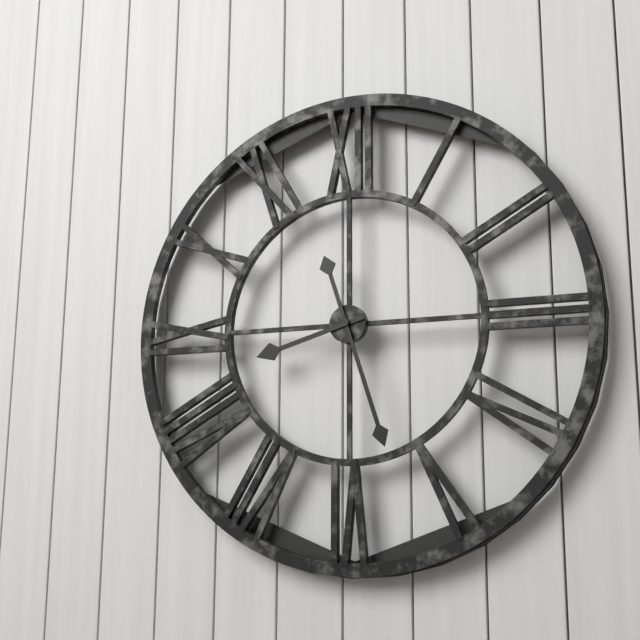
8:27
